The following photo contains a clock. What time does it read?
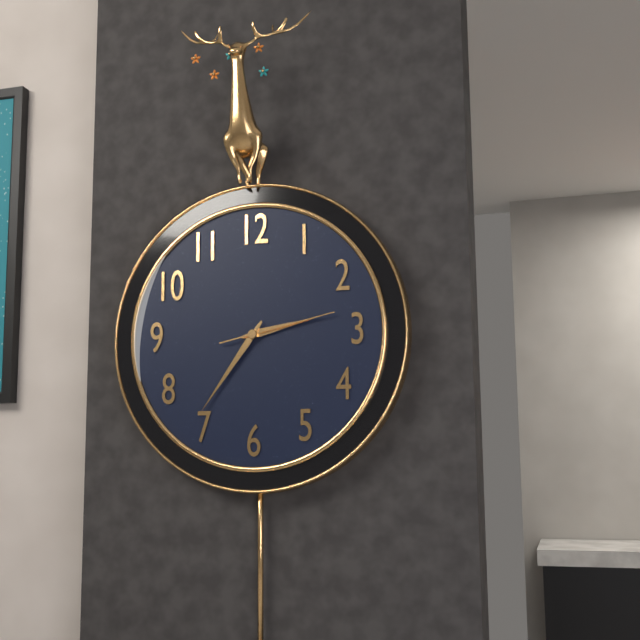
2:36:13
